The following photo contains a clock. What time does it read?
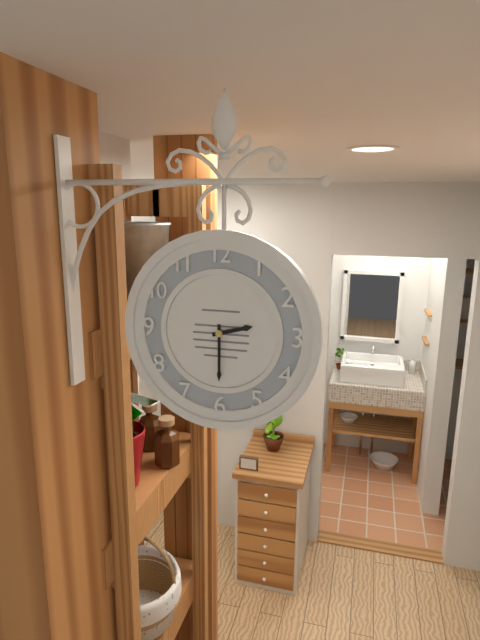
2:30
